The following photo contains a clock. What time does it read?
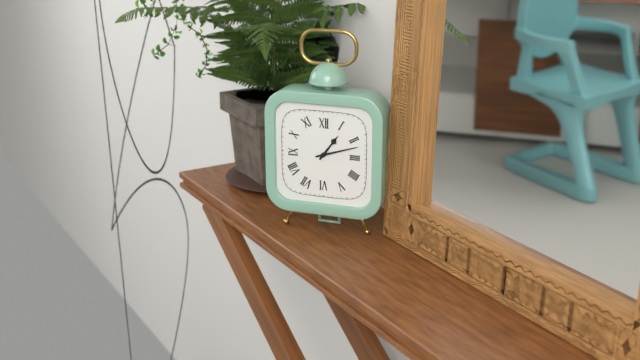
1:12
